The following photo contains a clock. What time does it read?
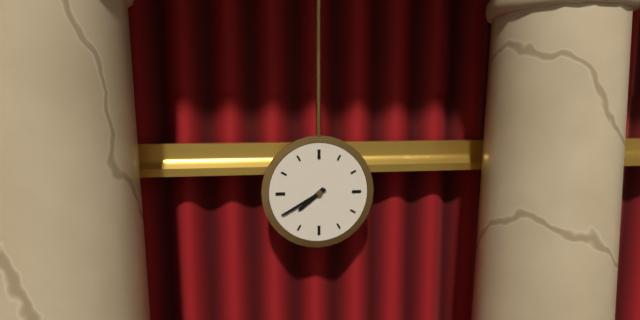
7:40
